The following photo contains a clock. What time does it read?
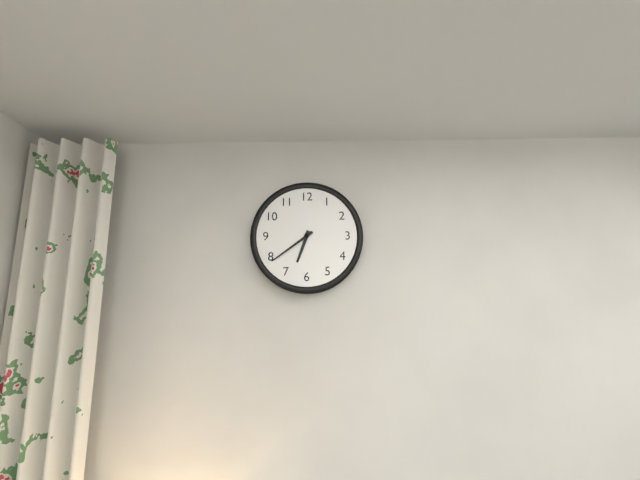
6:39
